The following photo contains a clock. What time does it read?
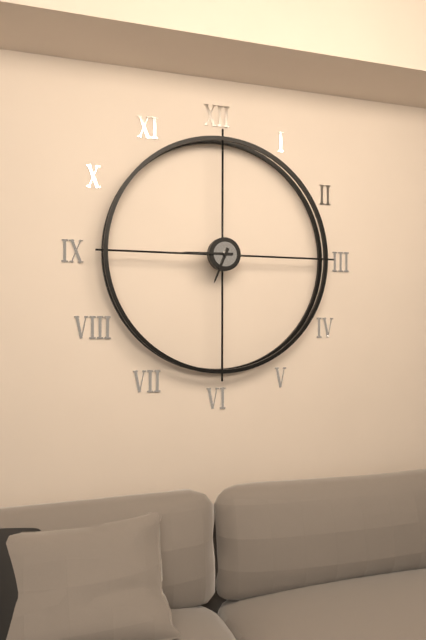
6:45
